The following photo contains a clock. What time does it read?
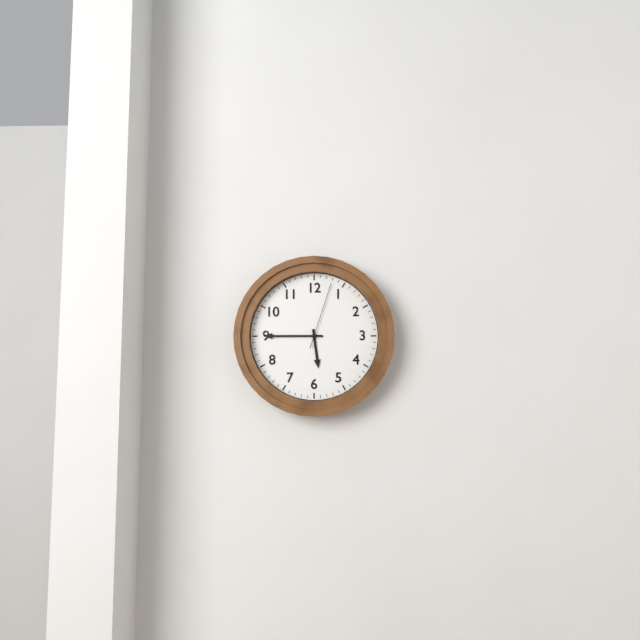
5:45:03
